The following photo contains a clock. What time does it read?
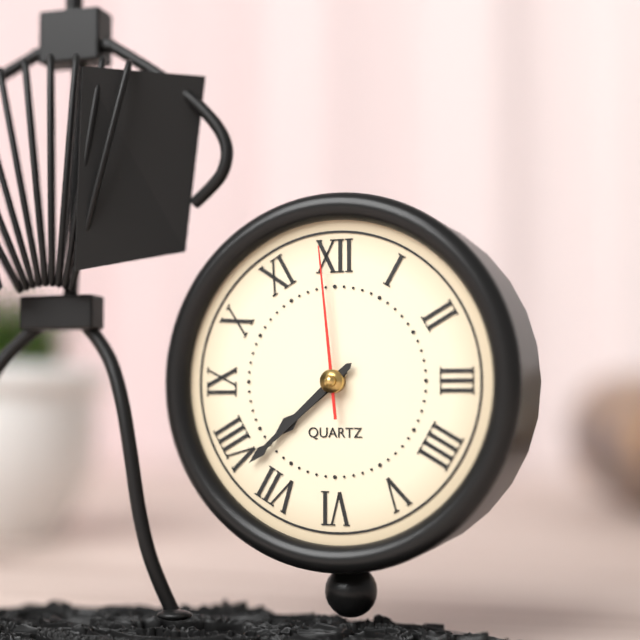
7:38:59
